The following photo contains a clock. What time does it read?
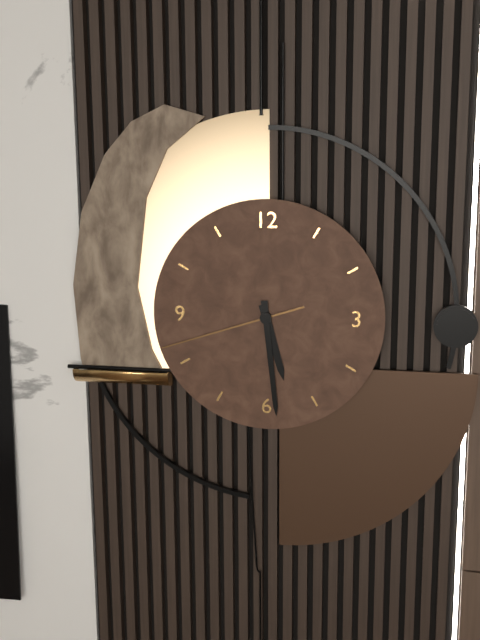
5:29:42
